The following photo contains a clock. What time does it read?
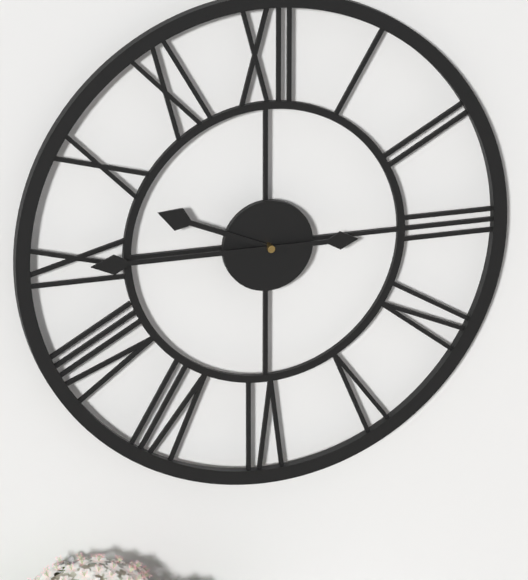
9:45
